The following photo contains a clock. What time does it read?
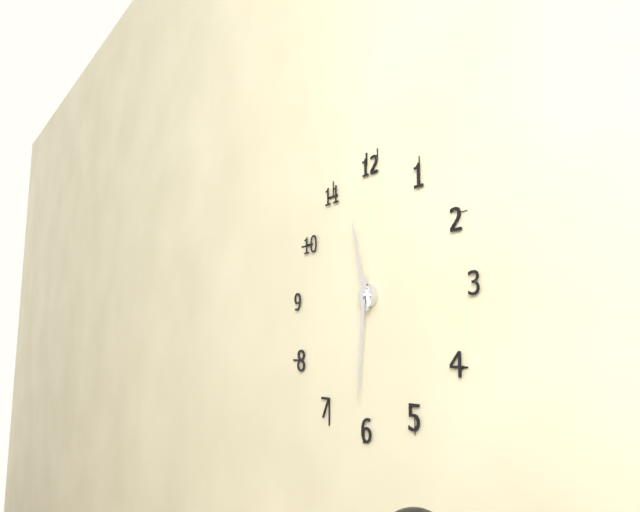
11:31
